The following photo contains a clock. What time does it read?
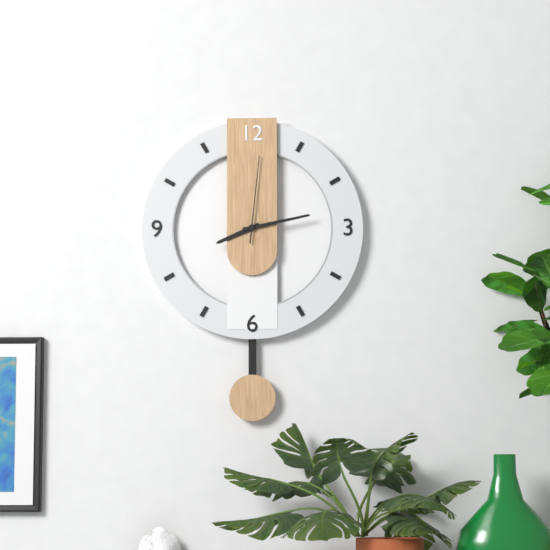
8:13:01
